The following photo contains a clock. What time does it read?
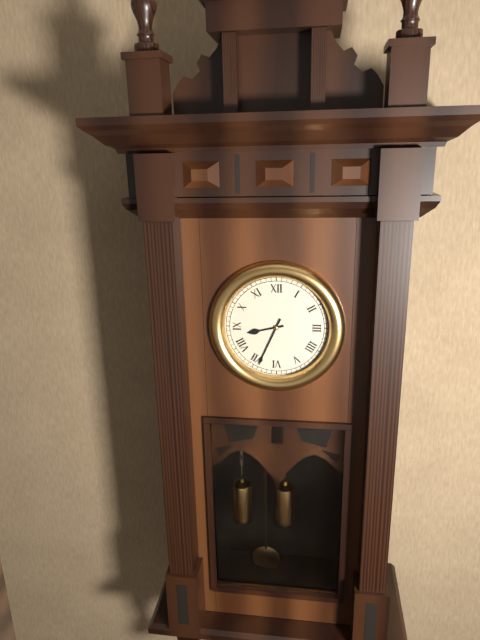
8:34
